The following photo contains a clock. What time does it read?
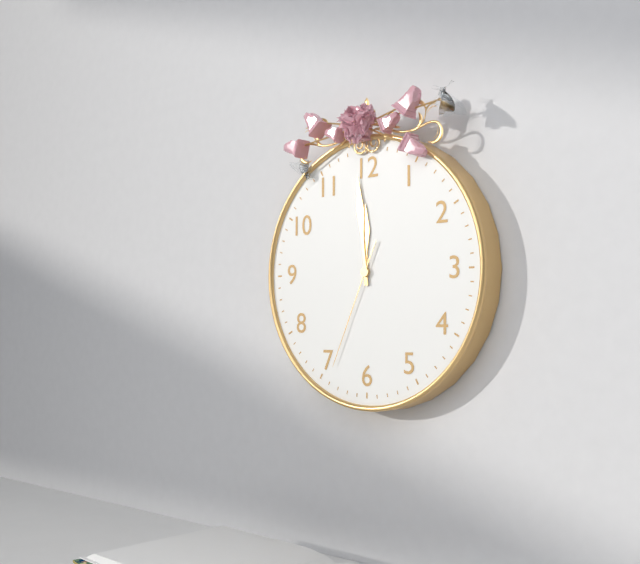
11:59:34
